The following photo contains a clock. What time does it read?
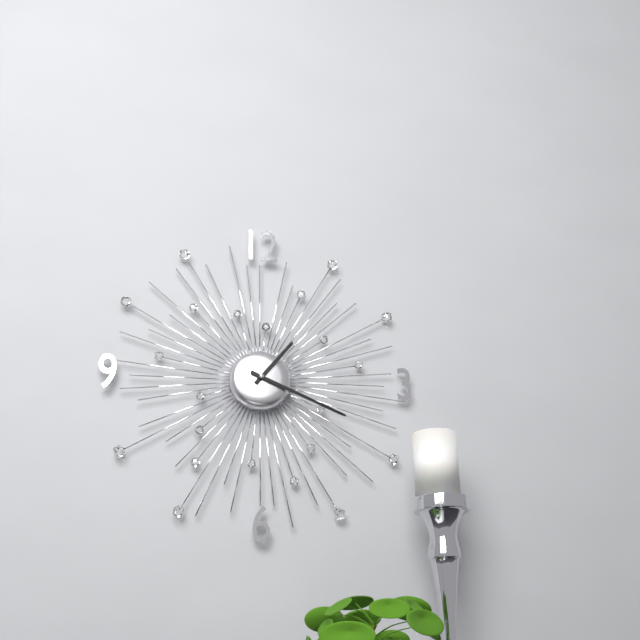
1:19
